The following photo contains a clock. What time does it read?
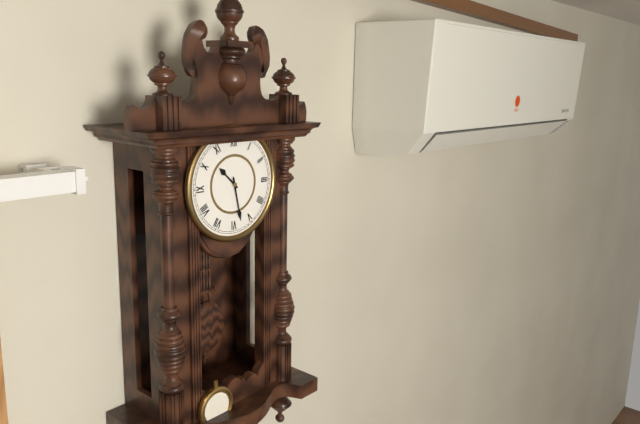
10:28
